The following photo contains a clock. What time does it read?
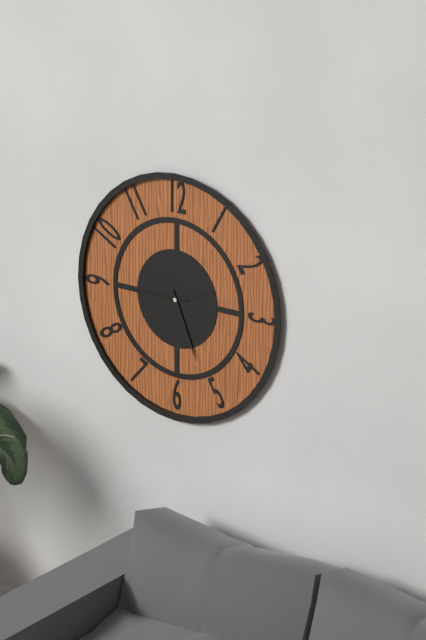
2:26:45
